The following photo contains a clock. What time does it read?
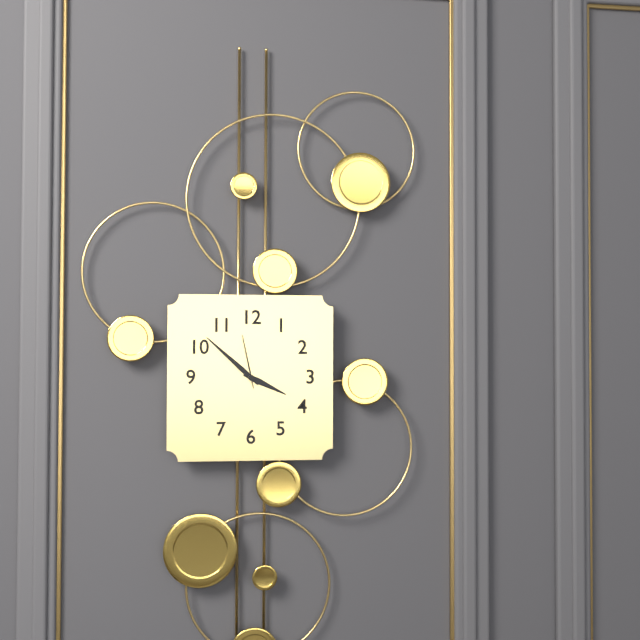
3:52:58
